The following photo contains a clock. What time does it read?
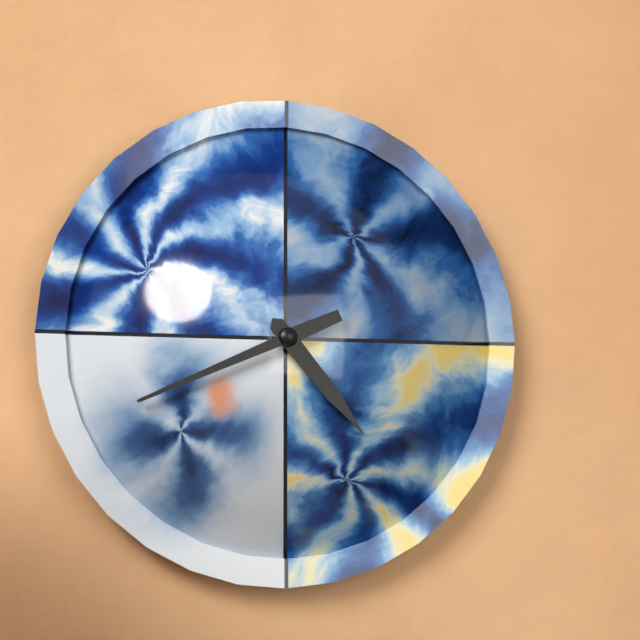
4:41
